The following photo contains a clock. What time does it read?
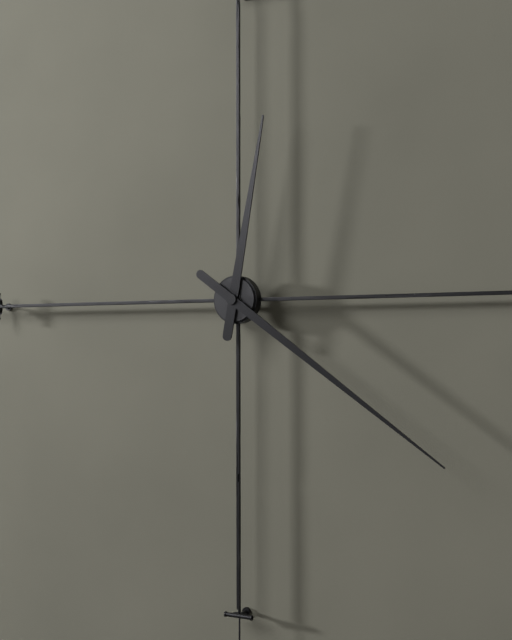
12:21
